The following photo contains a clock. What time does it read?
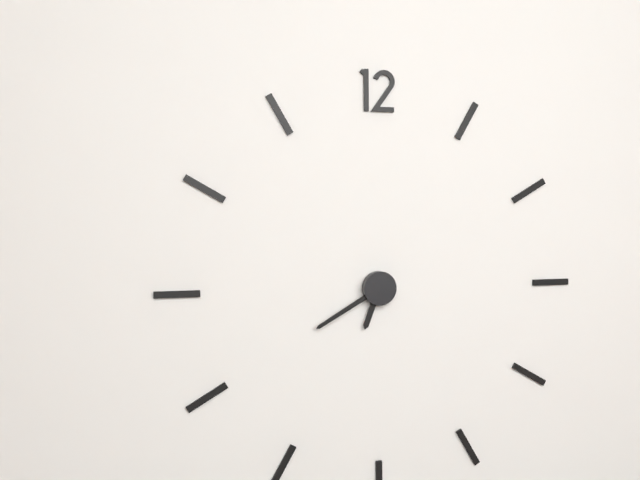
6:40
